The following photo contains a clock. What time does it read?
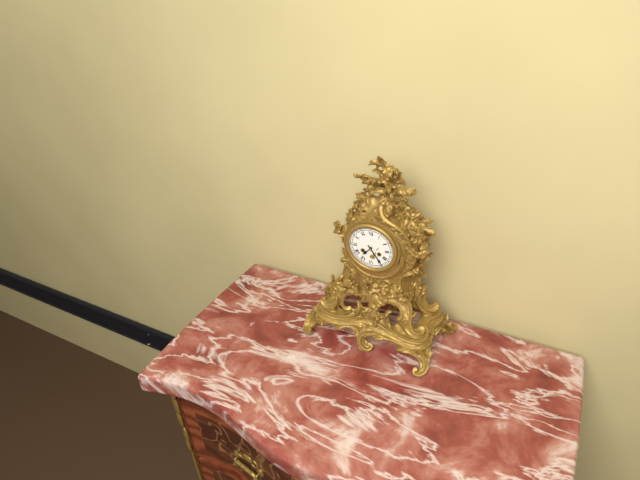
7:24
